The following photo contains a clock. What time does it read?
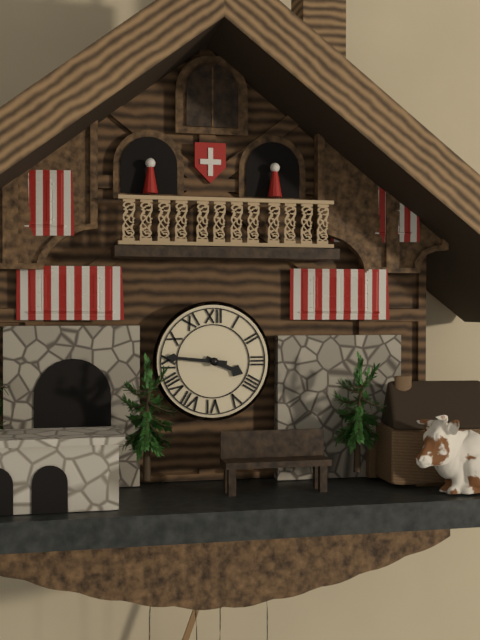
3:46
